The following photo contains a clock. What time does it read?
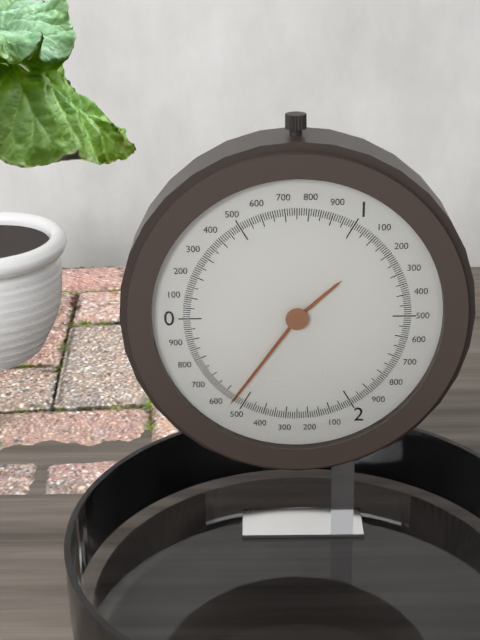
1:36
